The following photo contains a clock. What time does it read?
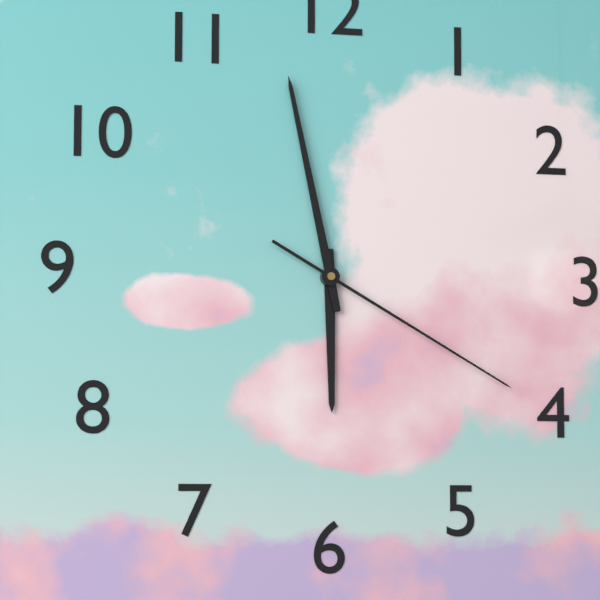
5:58:20
